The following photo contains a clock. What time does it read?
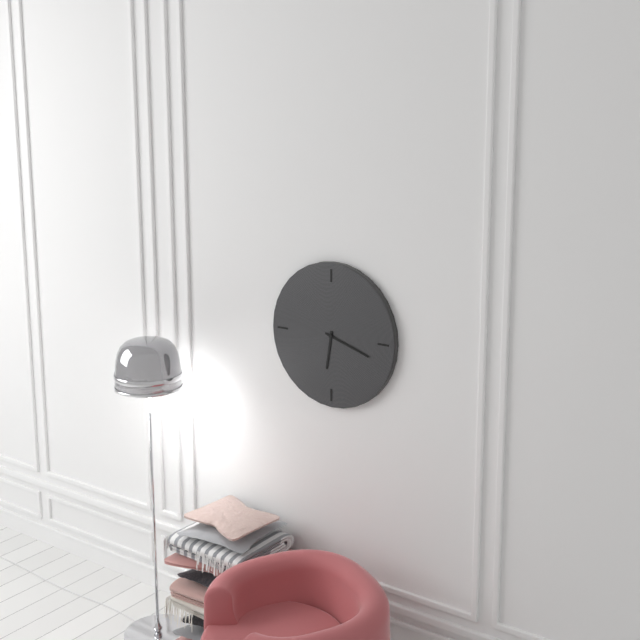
6:18
